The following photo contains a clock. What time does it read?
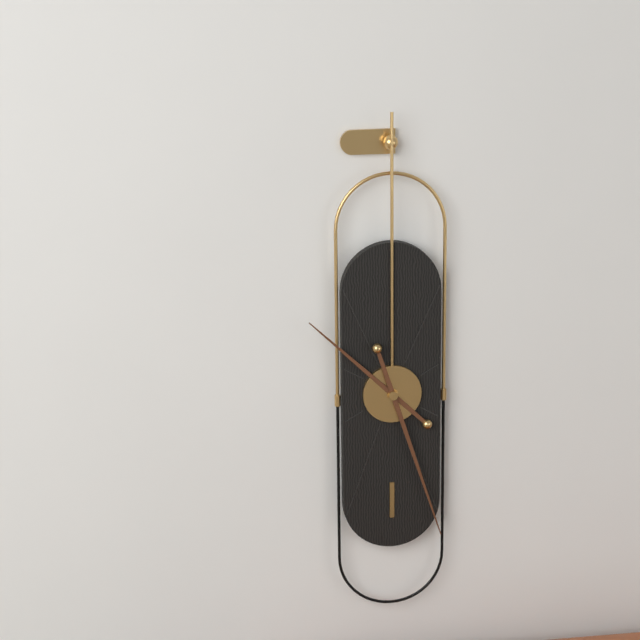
10:27
